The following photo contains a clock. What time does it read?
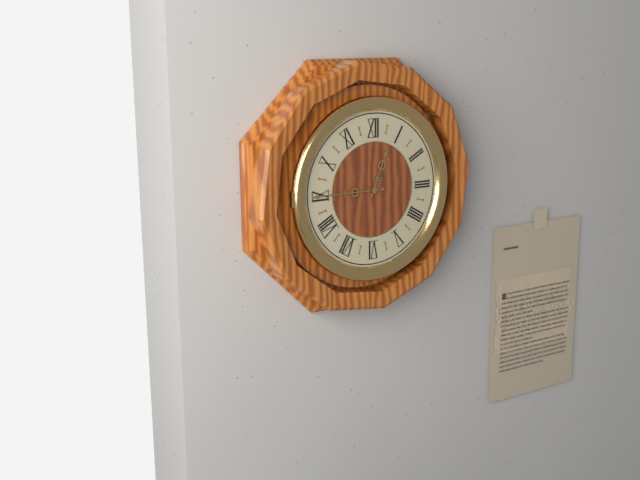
12:45
